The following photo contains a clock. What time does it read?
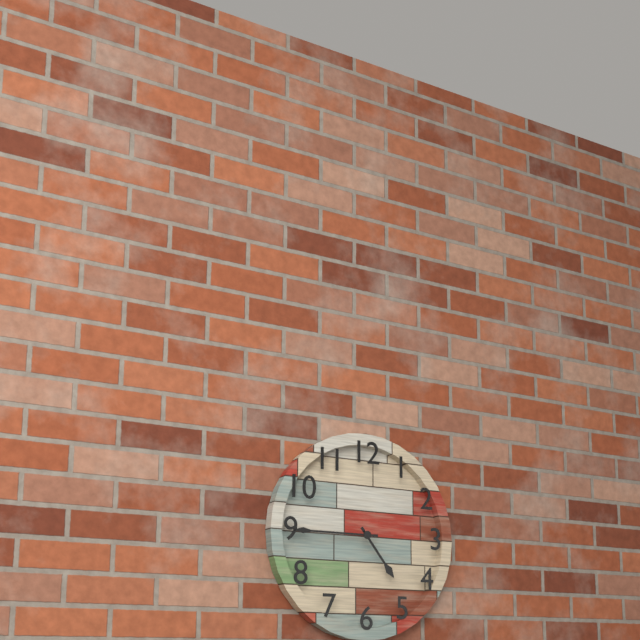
4:45
